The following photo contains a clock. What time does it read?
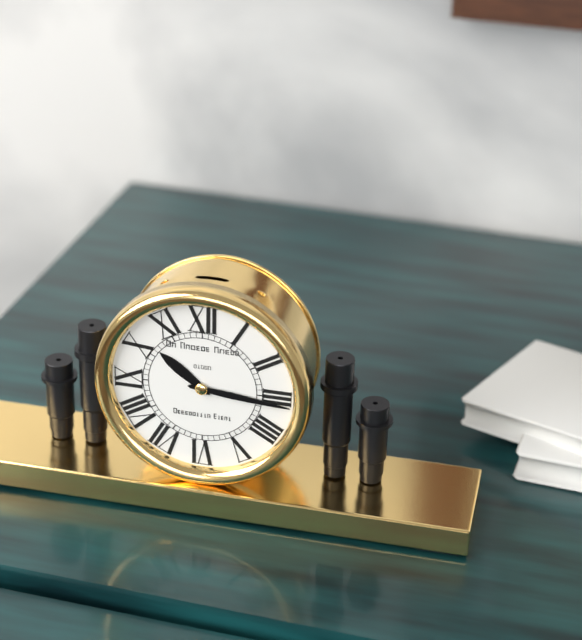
10:16
